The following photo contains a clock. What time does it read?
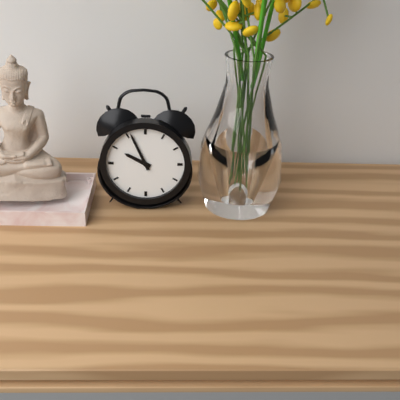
9:56
